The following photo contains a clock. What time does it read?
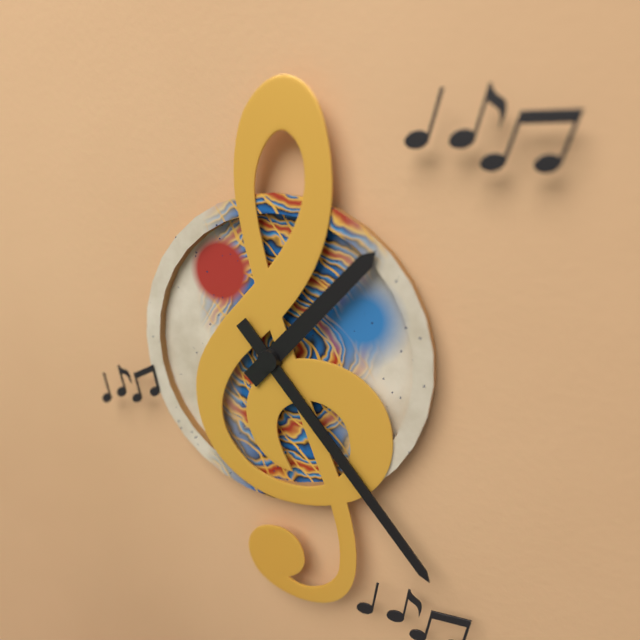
1:23
